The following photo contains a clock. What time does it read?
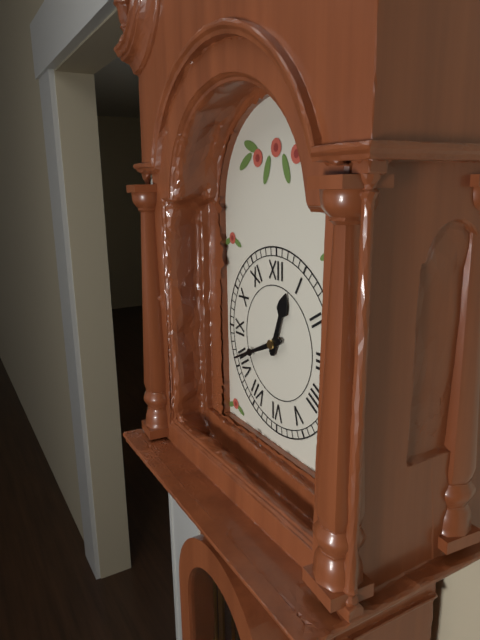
12:41
